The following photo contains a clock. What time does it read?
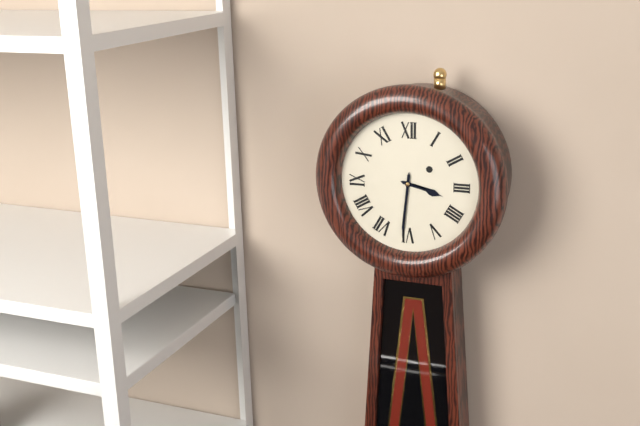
3:31
